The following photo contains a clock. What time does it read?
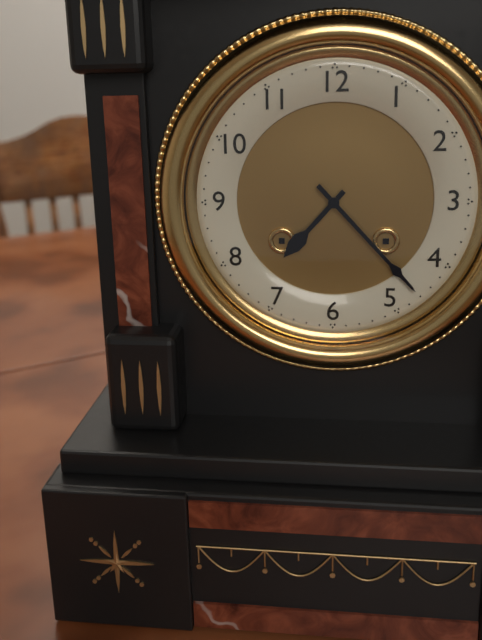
7:23
